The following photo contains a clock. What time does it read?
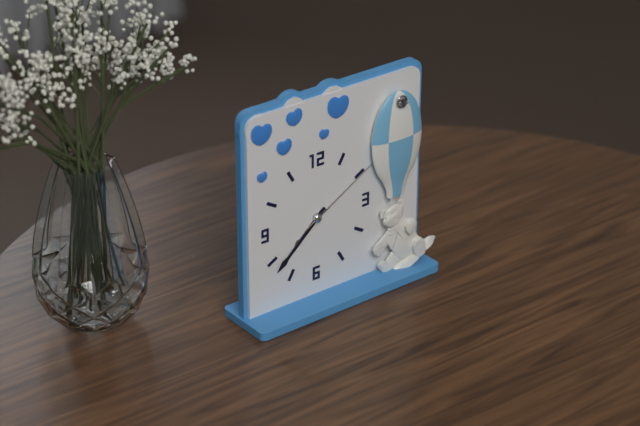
7:38:10
